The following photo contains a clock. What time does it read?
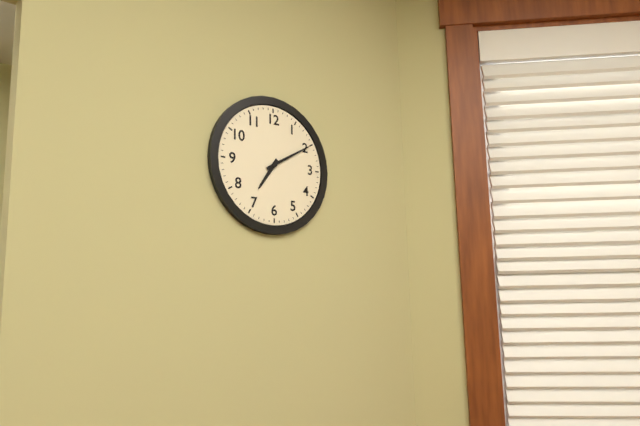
7:10
